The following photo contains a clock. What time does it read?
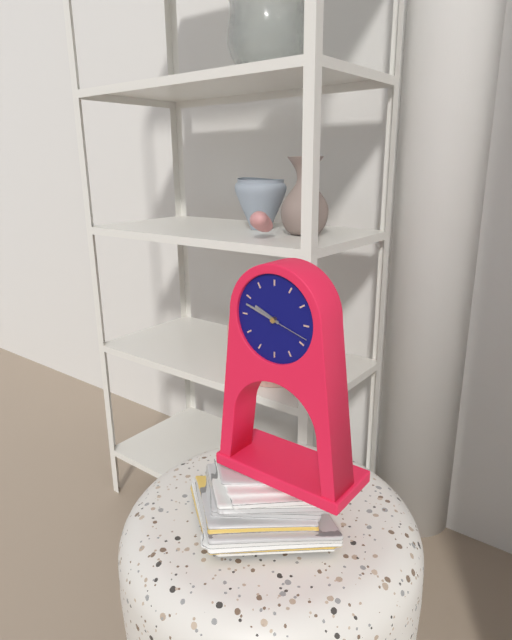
9:48
